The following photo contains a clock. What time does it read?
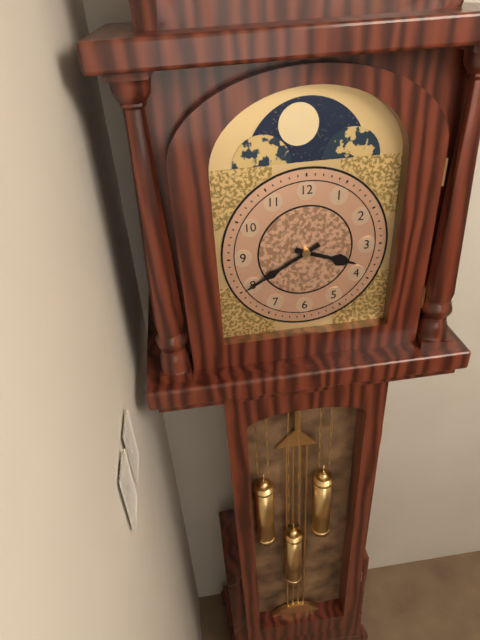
3:40
